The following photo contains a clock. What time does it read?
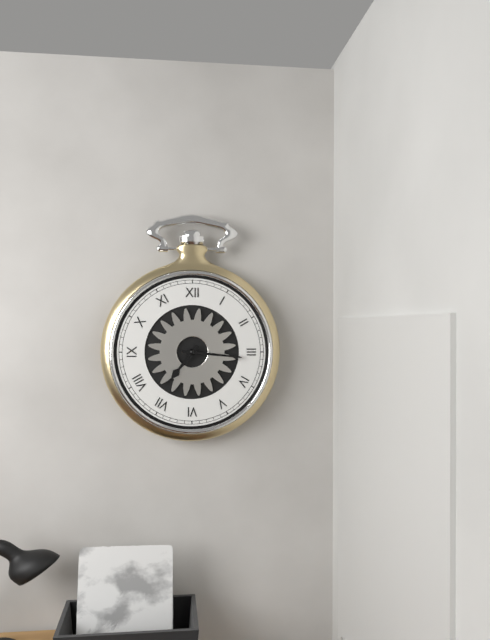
7:16
